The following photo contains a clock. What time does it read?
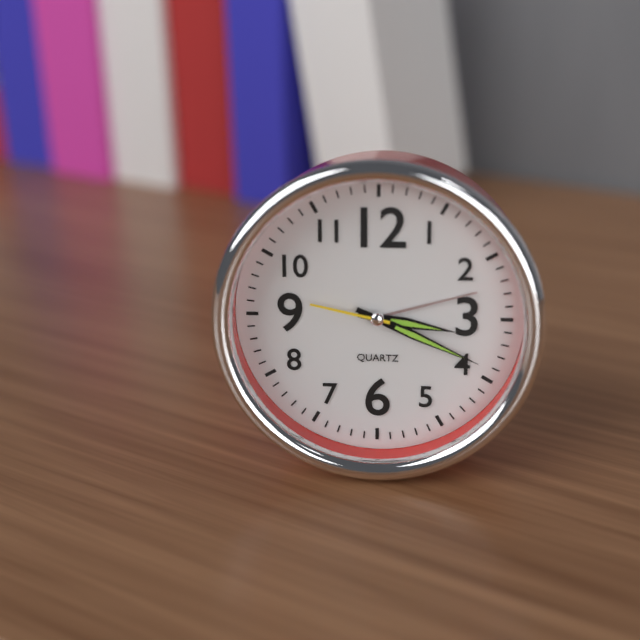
3:19:47
